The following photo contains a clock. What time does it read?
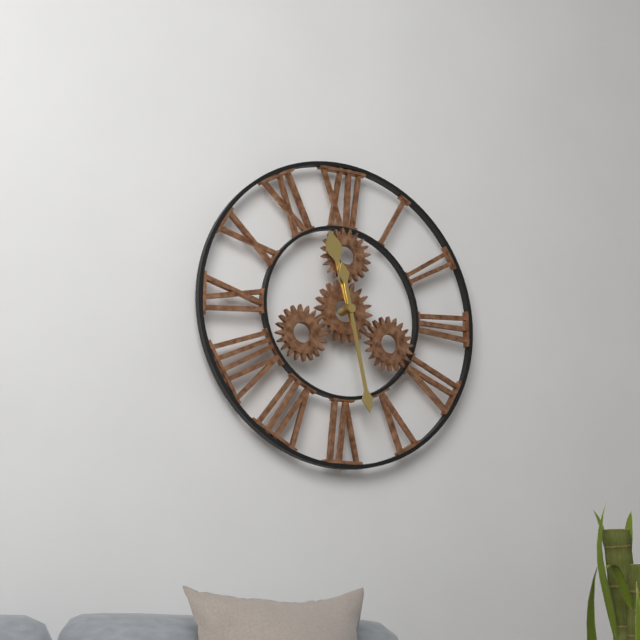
11:28
